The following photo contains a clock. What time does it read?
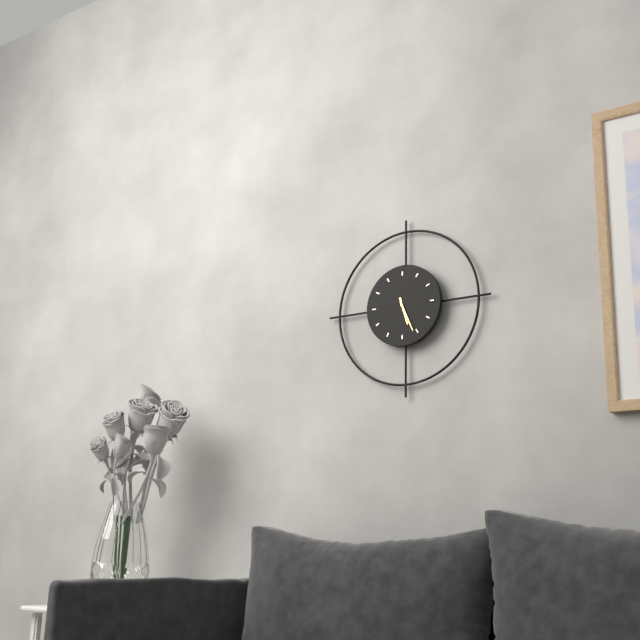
5:26
